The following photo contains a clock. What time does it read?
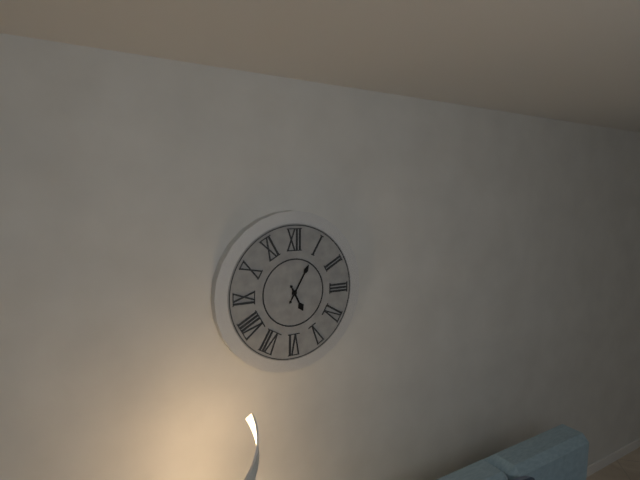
5:05
